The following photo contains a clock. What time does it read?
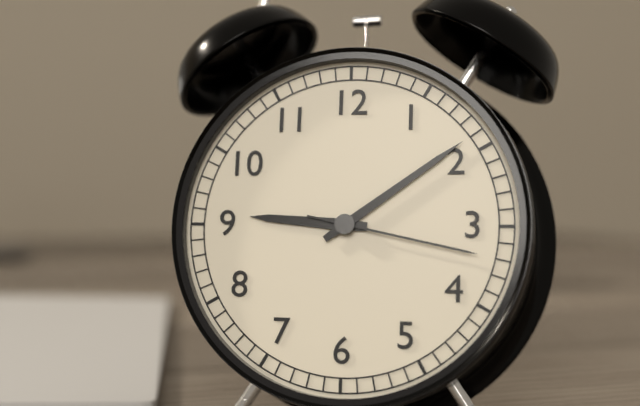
9:09:17
